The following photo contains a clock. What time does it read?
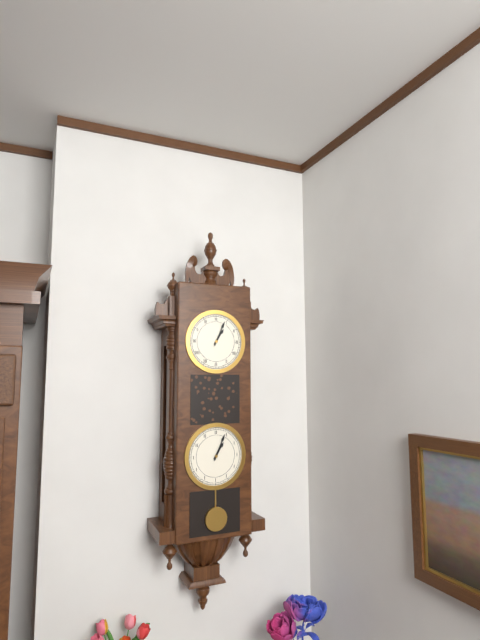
1:04
